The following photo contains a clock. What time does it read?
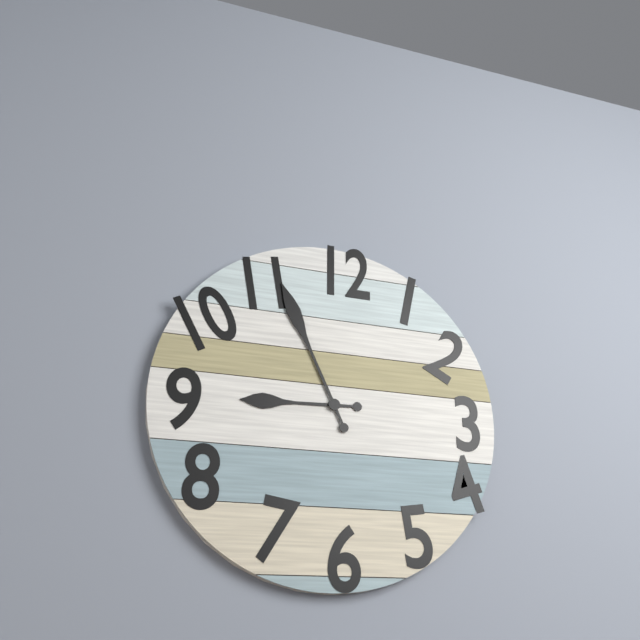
8:56
